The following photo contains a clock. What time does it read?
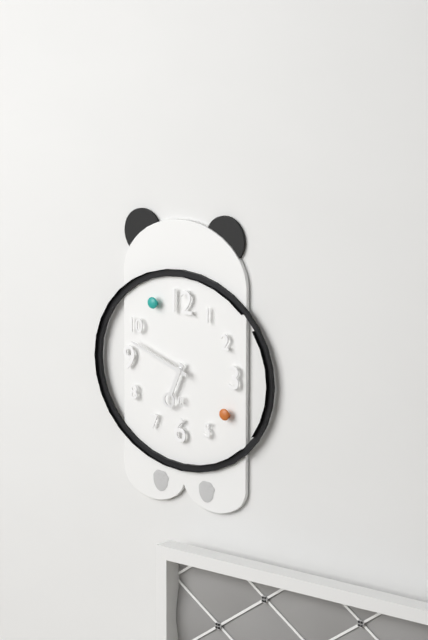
6:48
